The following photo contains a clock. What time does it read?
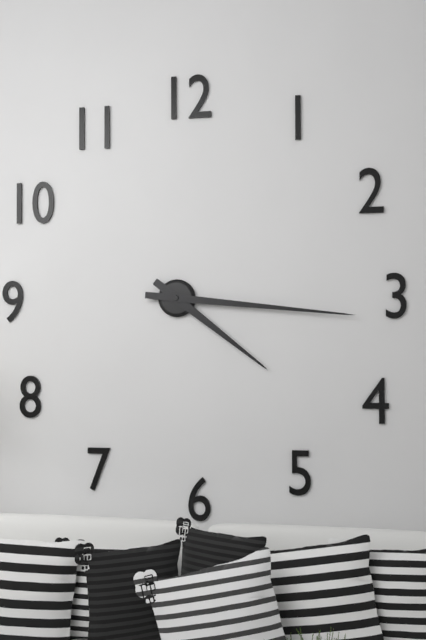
4:16
